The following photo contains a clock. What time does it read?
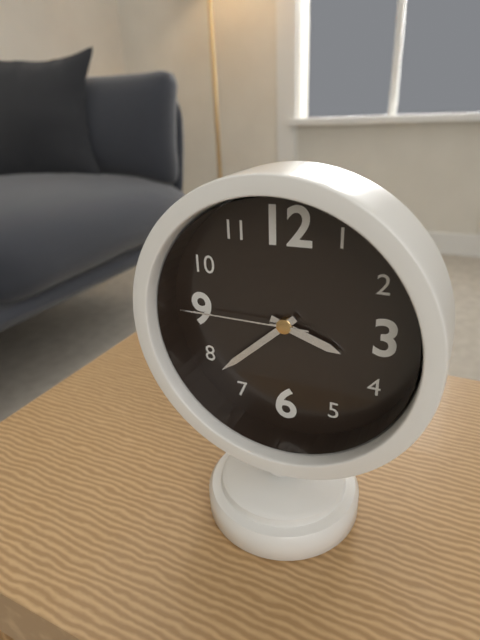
3:38:45
